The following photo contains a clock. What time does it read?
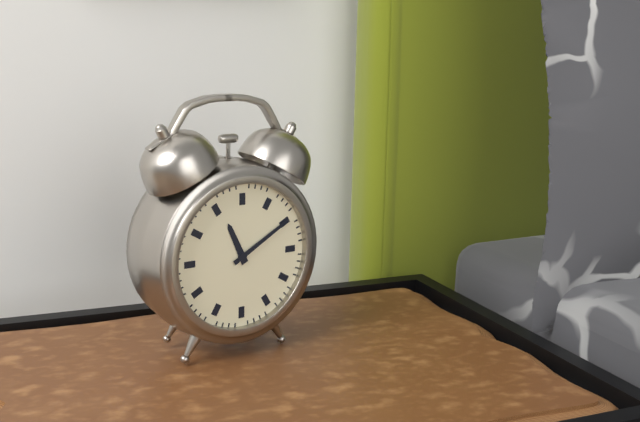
11:10
